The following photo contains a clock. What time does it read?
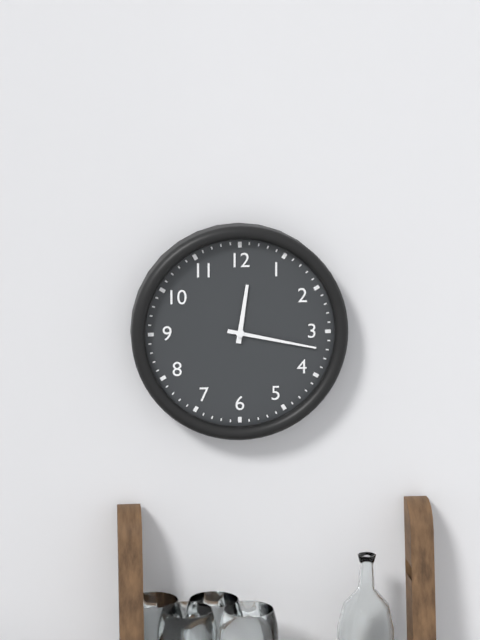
12:17
